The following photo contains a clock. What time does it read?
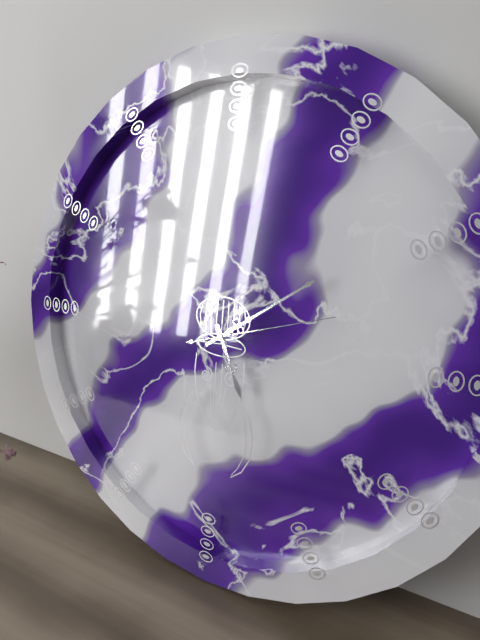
5:09:12
